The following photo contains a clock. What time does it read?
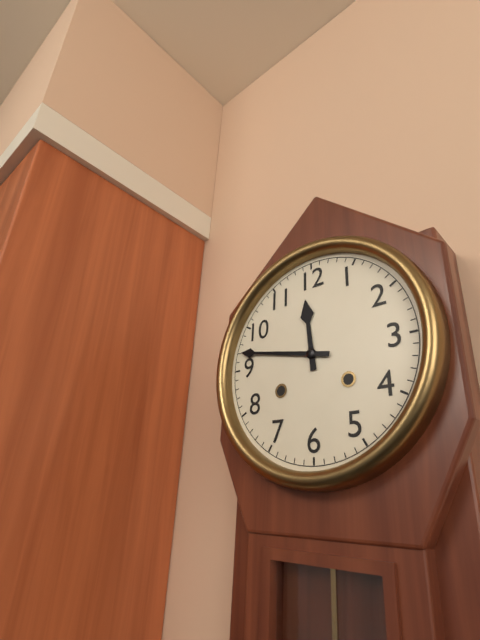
11:47
